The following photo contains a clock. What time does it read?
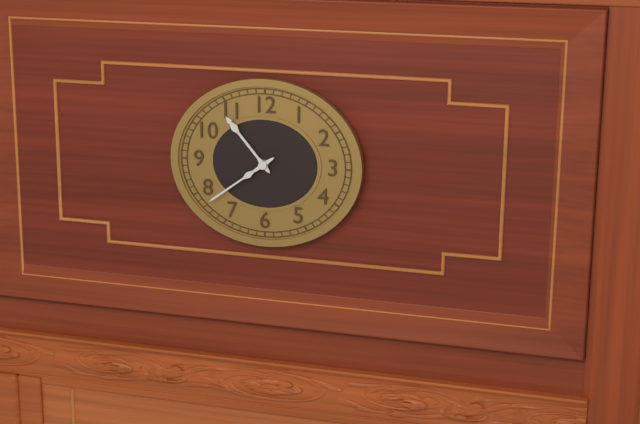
10:39
